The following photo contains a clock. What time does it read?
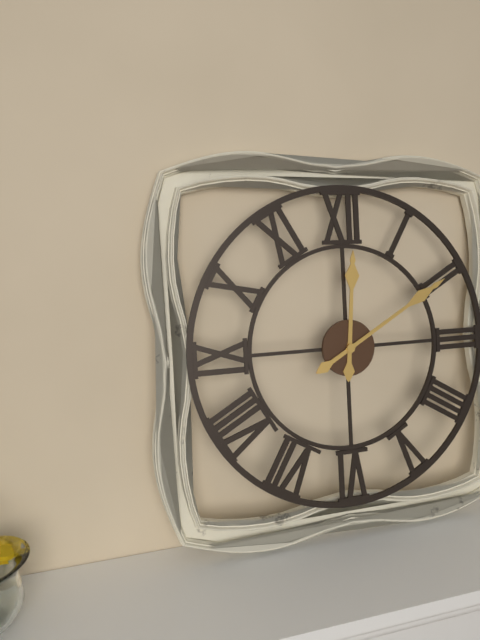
12:10
